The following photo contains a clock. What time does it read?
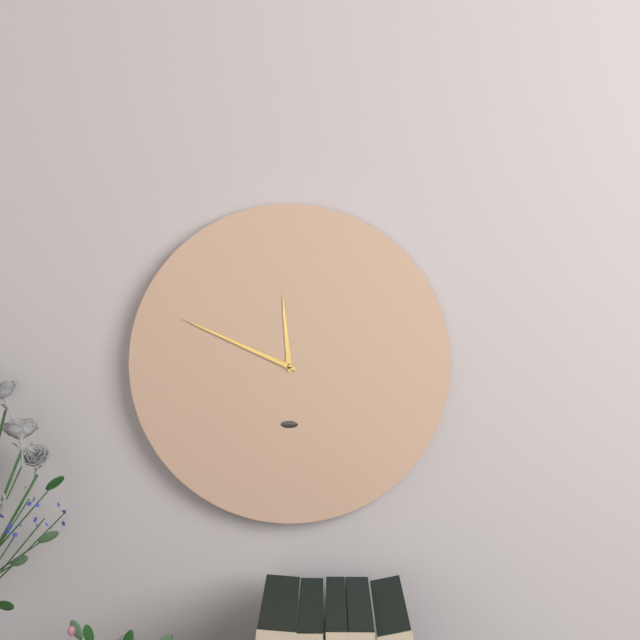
11:49
